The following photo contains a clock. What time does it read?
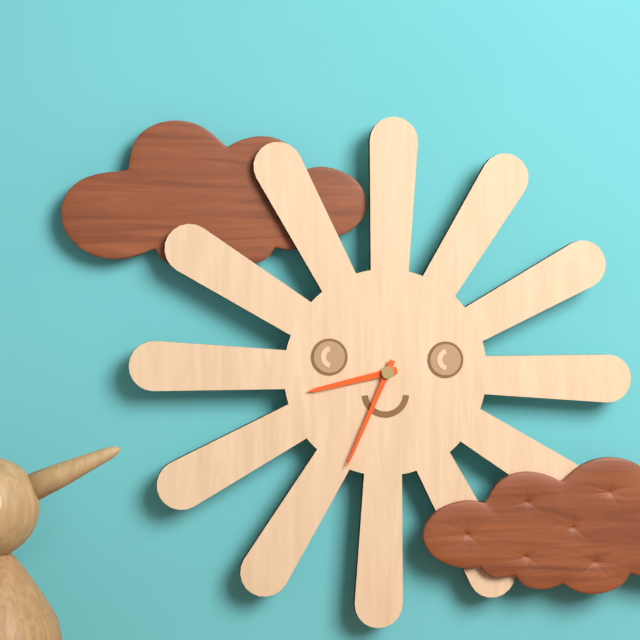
8:34
